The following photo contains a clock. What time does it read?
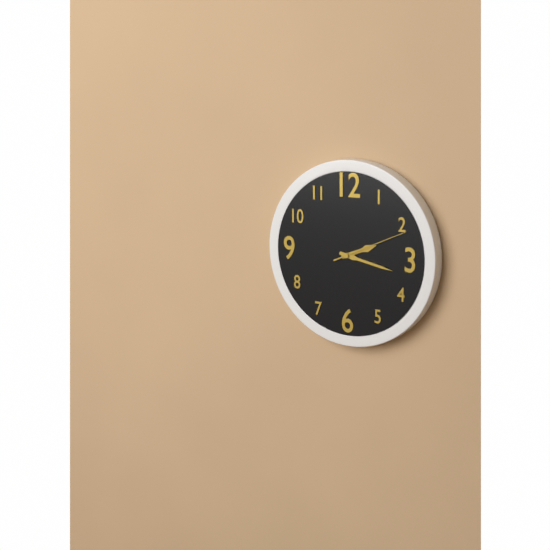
2:17:11
